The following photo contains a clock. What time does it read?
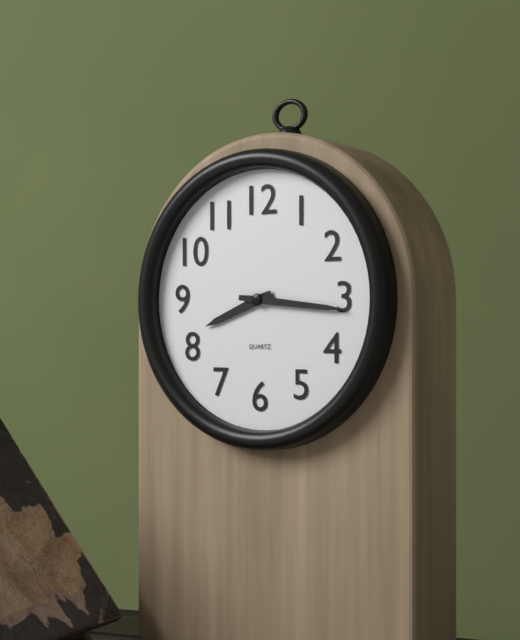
8:16
